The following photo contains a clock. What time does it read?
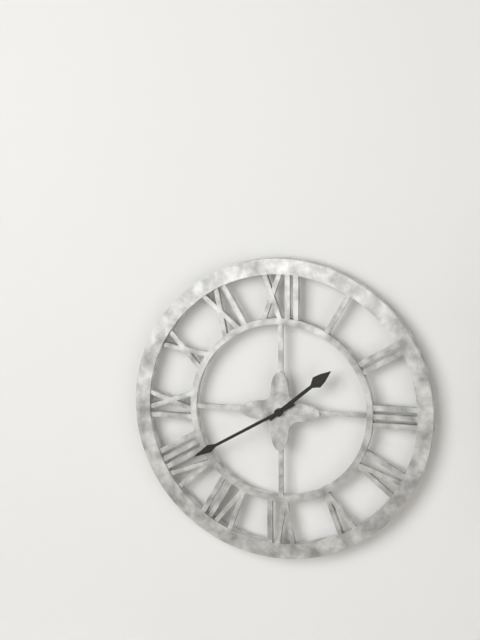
1:40
